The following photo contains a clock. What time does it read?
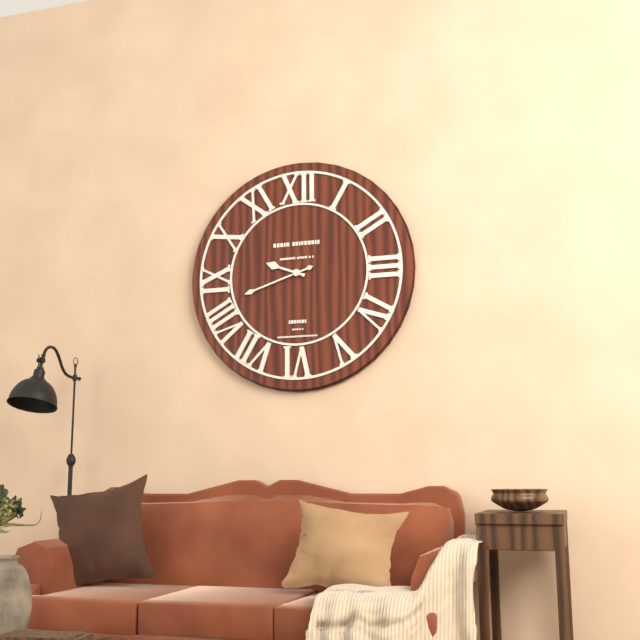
9:42
